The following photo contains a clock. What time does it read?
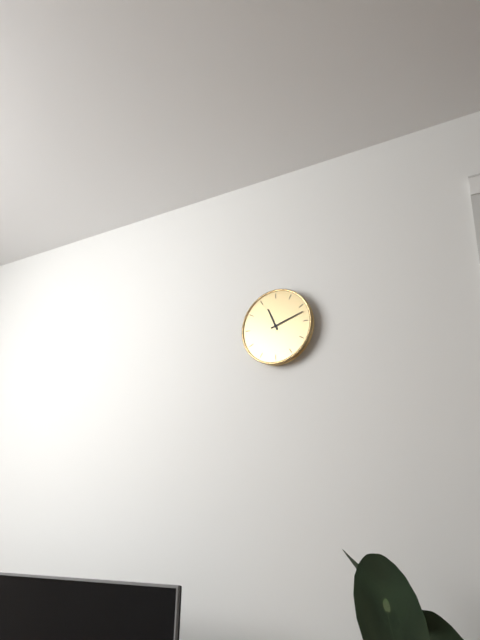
11:12
